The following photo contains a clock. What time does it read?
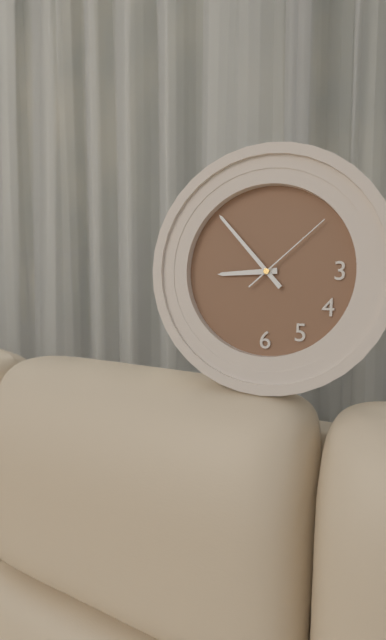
8:53:08
